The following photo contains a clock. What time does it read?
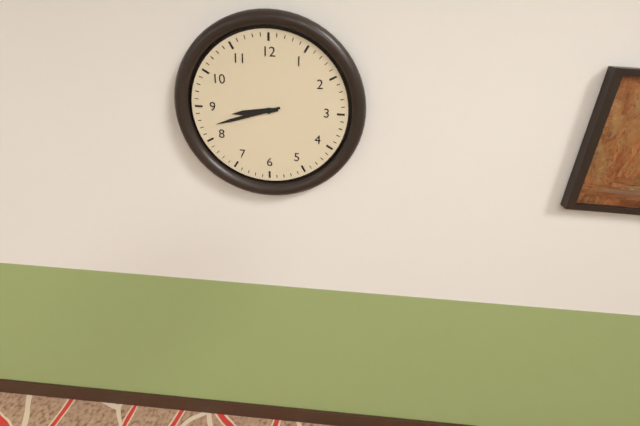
8:42
